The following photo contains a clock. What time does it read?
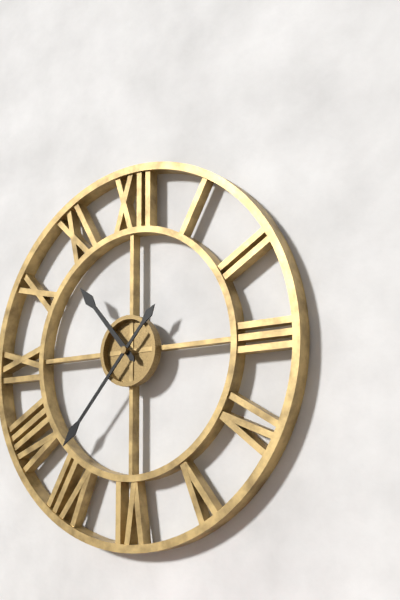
10:37
